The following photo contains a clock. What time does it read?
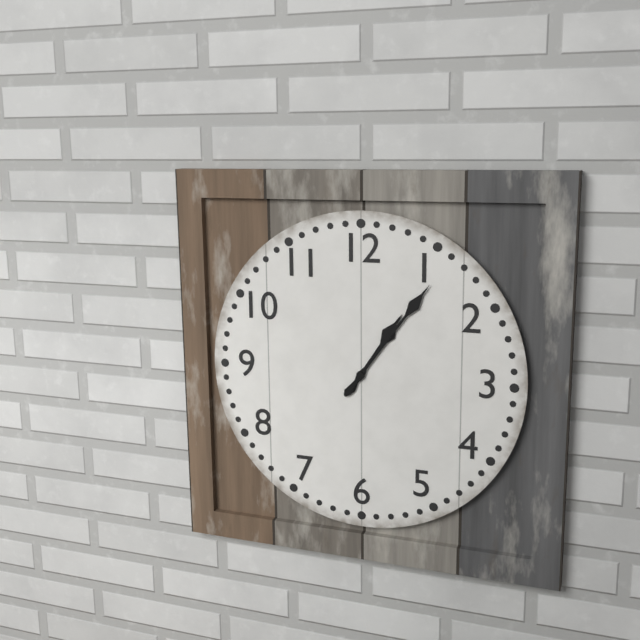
1:06
